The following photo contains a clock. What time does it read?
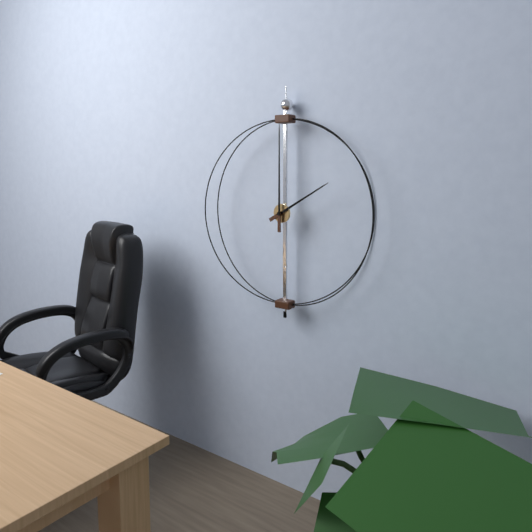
2:00
